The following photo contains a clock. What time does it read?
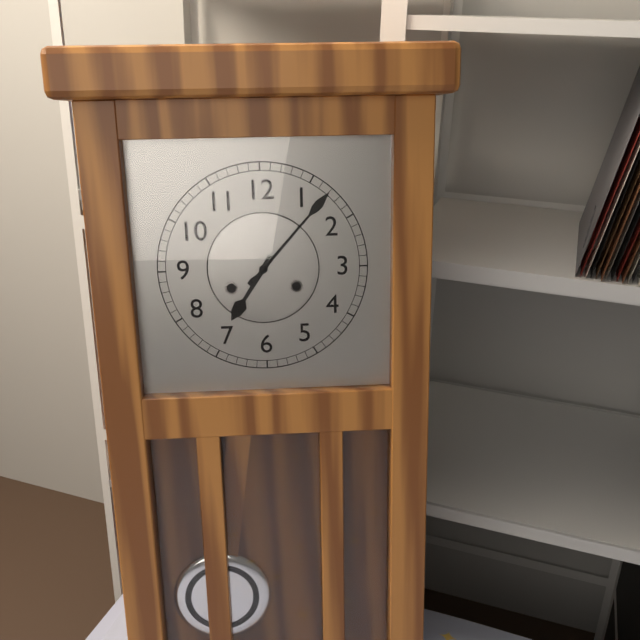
7:07
